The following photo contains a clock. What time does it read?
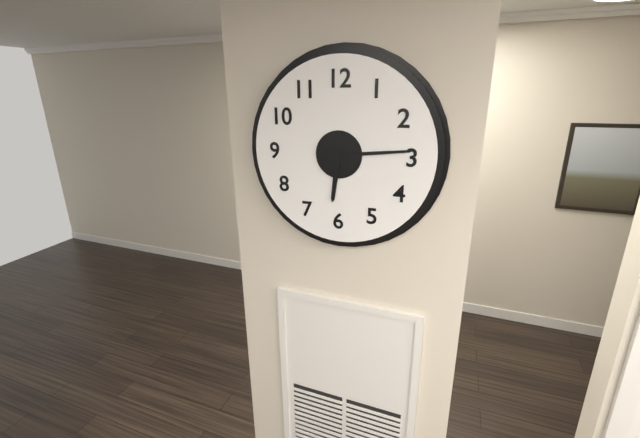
6:14
